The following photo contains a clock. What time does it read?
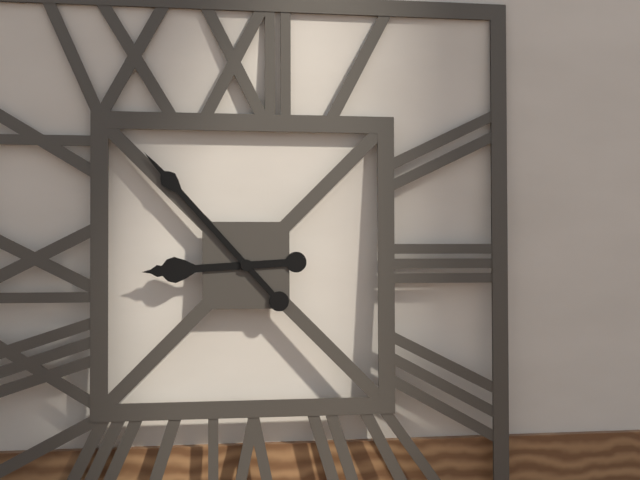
8:53
